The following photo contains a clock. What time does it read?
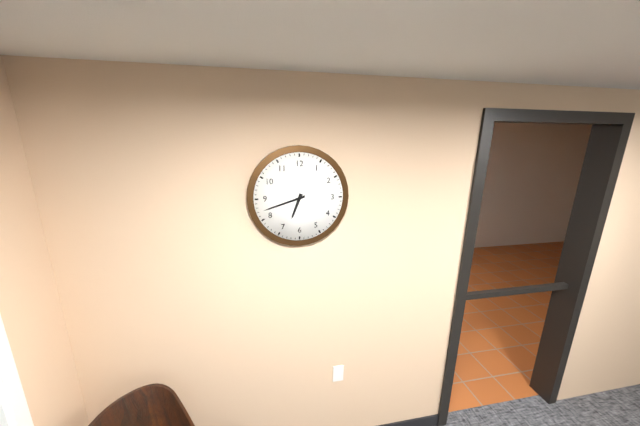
6:42
